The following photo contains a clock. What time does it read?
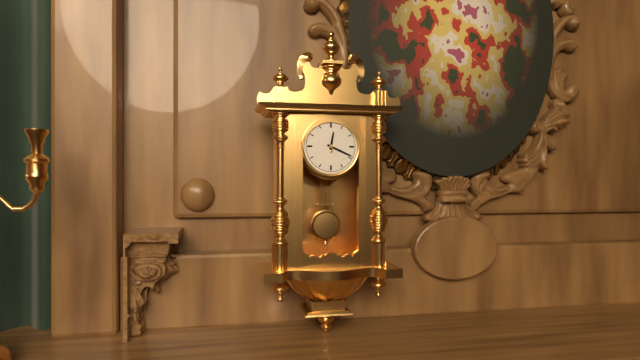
12:19
